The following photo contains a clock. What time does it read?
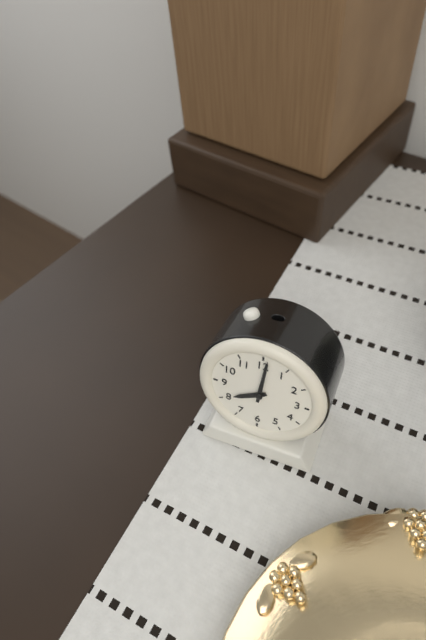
8:01
